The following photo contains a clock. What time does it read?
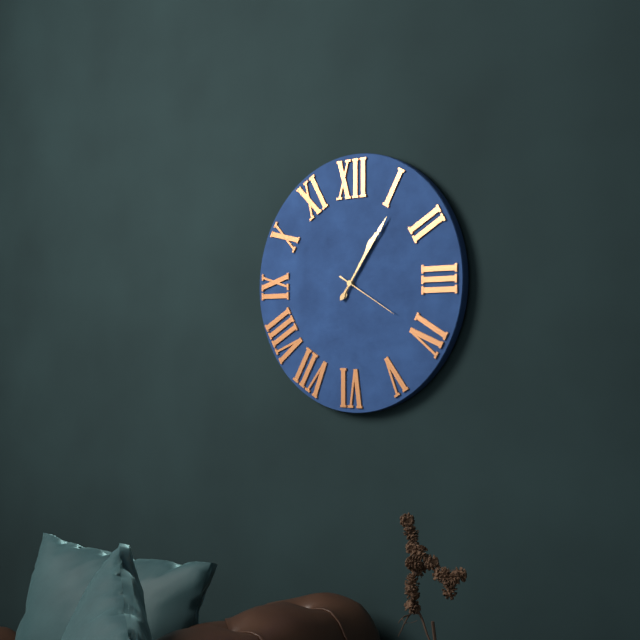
1:06:20
